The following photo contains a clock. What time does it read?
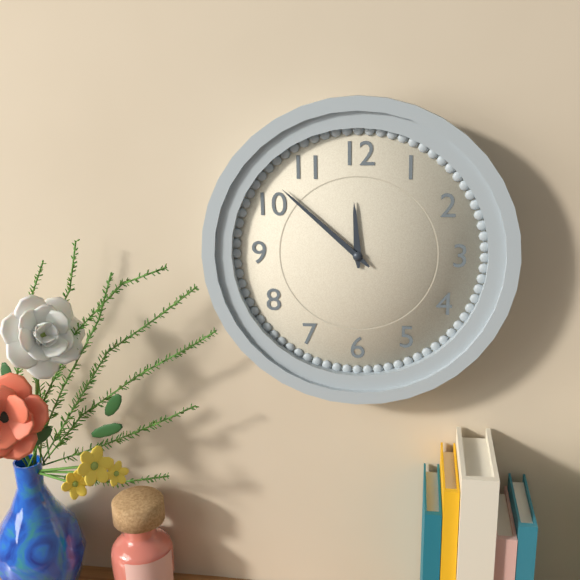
11:52
